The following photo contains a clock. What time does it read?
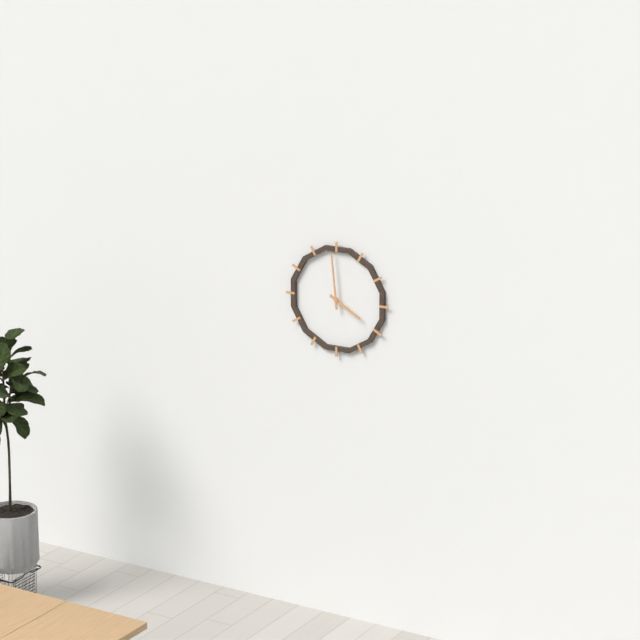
3:59
